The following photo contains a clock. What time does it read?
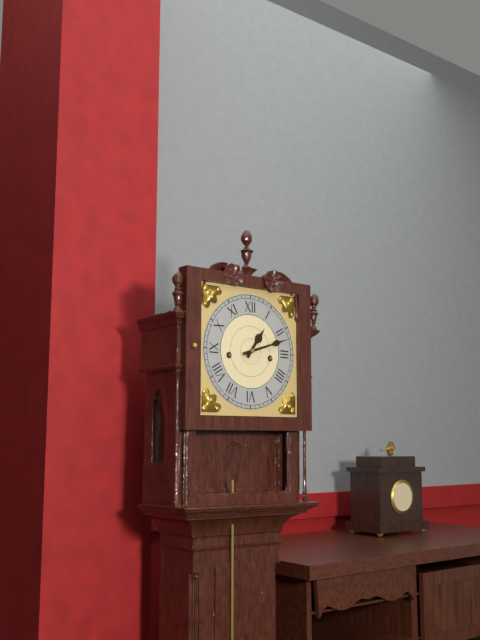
1:12
